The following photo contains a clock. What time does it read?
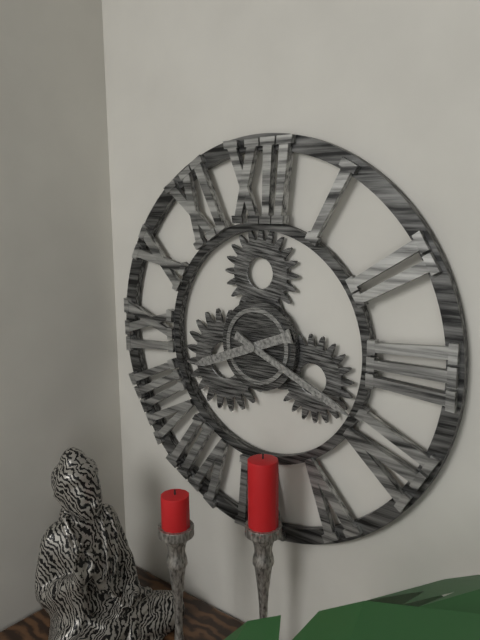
8:19
